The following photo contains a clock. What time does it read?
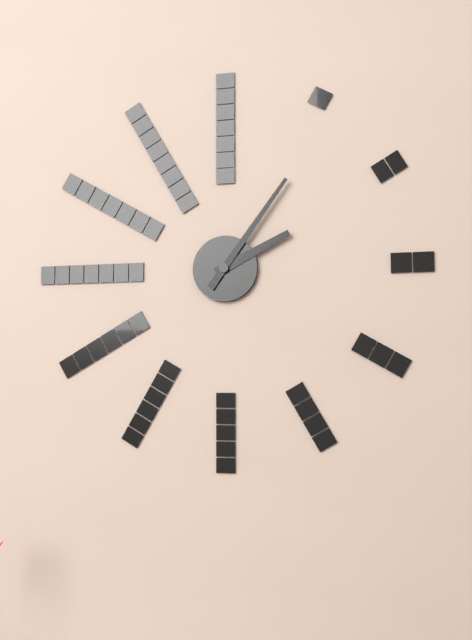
2:06
